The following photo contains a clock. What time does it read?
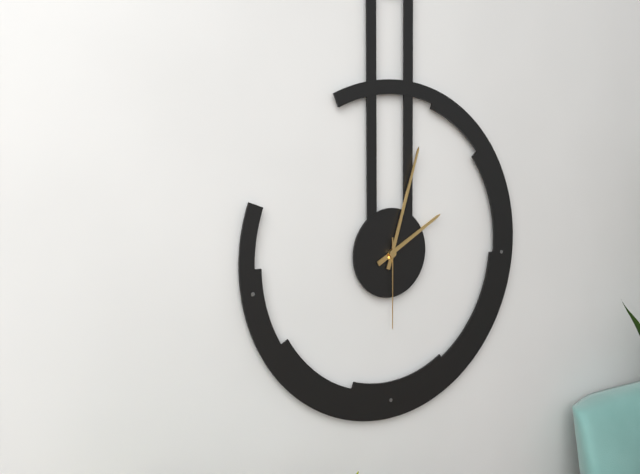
2:03:30
